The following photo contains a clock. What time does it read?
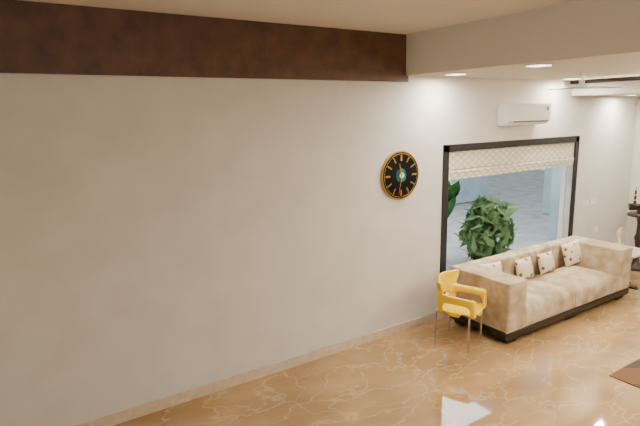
11:32
